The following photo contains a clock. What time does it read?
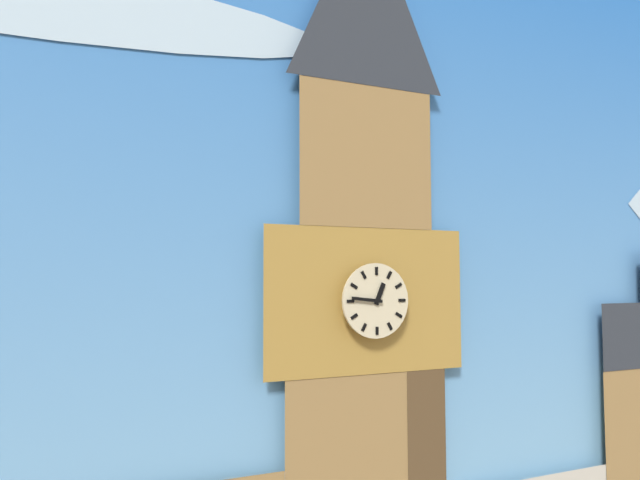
12:46
